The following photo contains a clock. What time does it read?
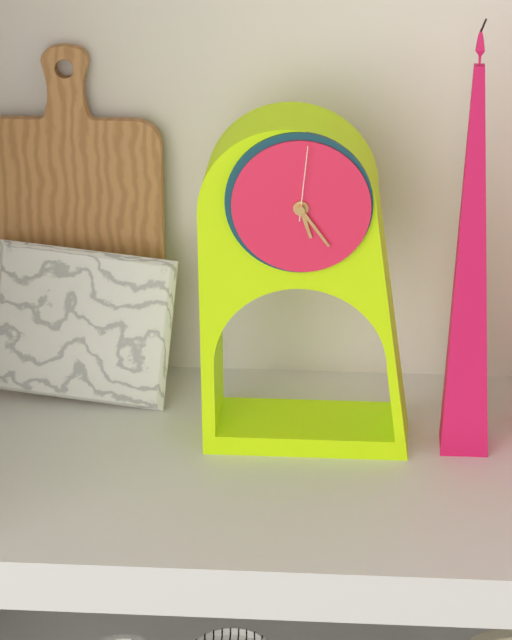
5:24:01
